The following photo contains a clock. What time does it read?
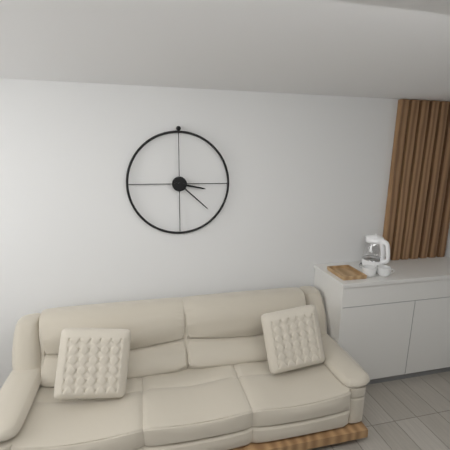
3:22
